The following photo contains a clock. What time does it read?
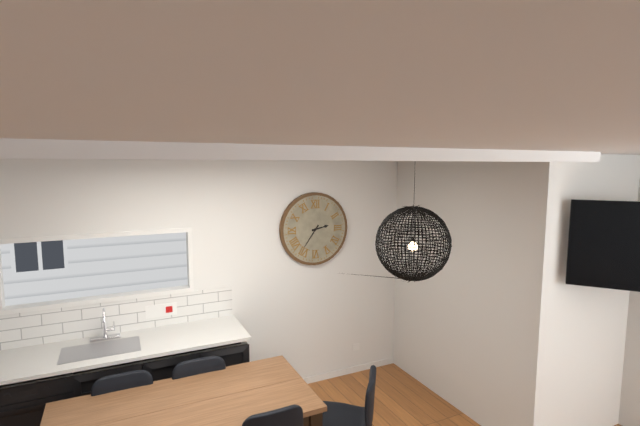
2:36
